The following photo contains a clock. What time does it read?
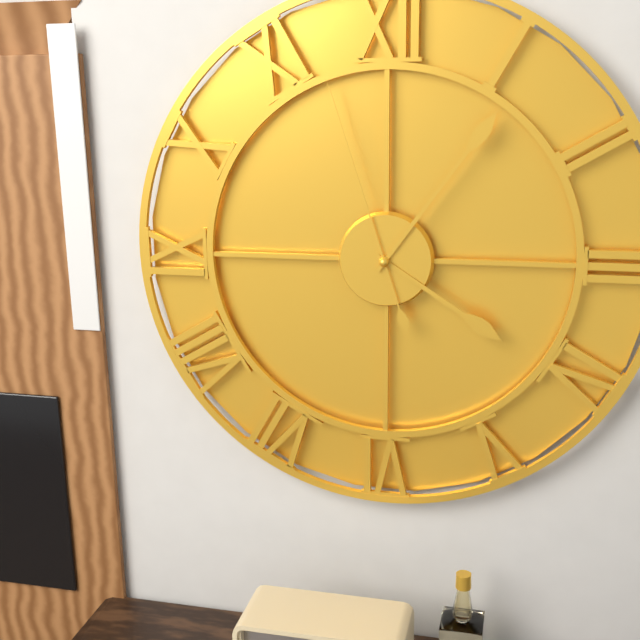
4:06:57
